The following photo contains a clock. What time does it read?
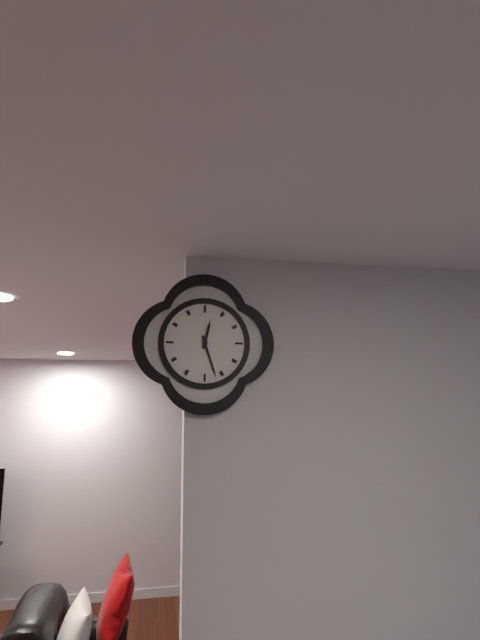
12:27
